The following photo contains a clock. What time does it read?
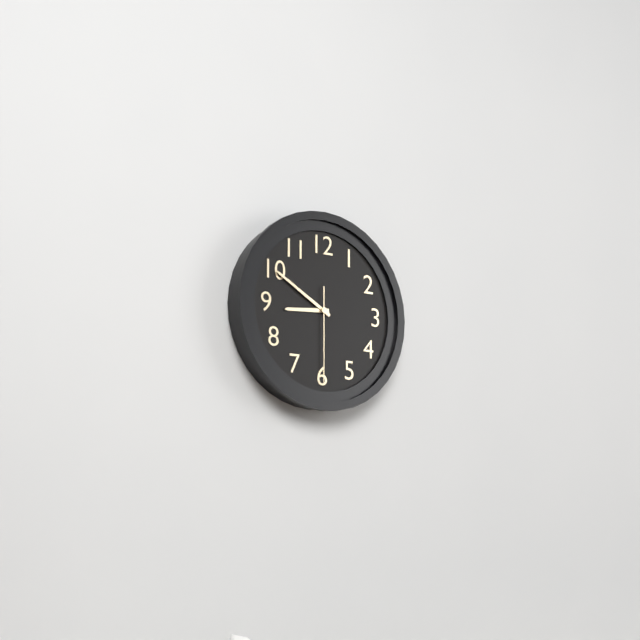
8:50:30
